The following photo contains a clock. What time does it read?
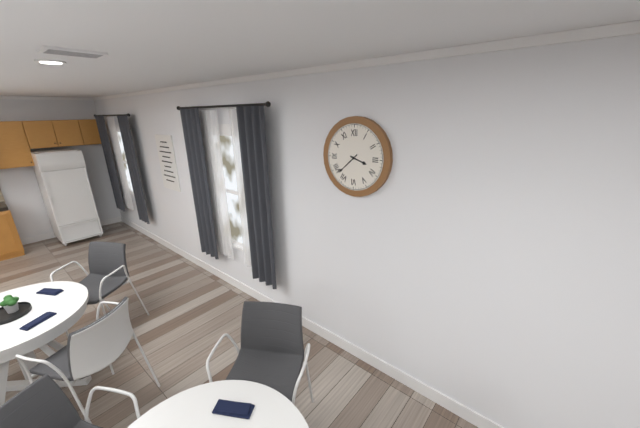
3:38
